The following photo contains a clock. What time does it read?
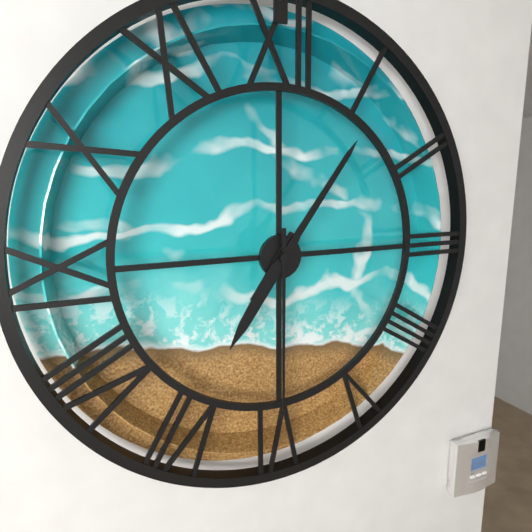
7:06:30
